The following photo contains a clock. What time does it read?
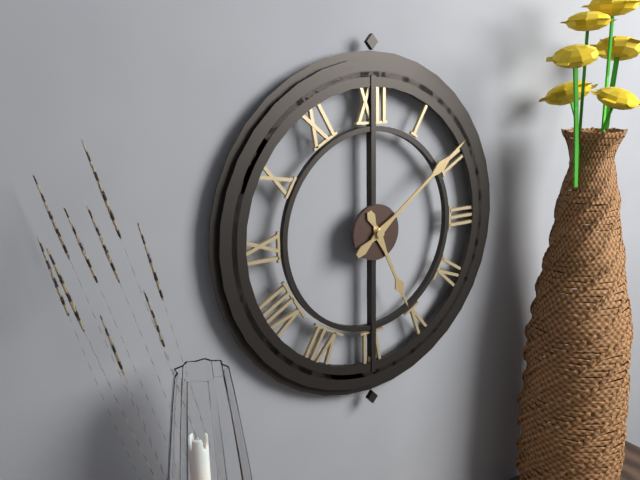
5:09
